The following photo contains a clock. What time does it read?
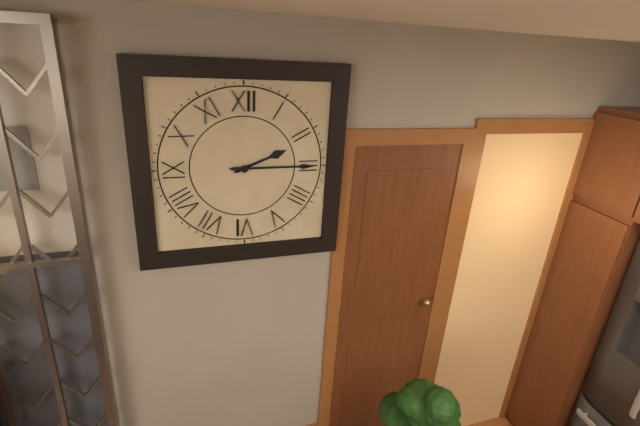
2:15
